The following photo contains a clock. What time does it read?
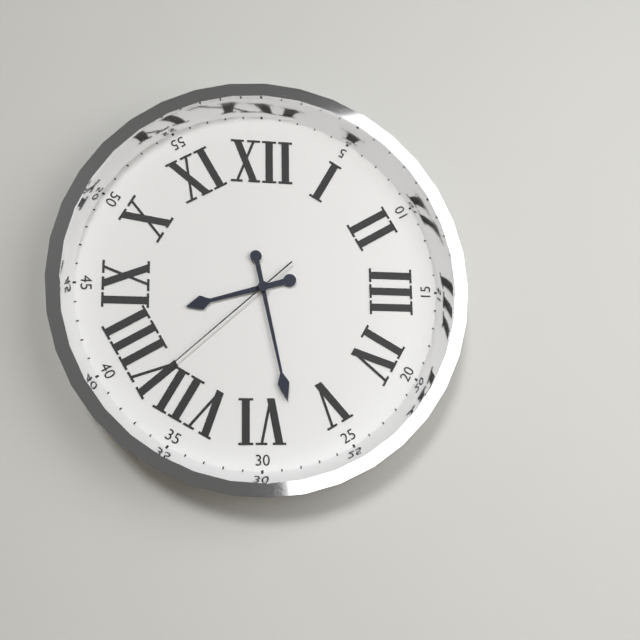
8:28:38
